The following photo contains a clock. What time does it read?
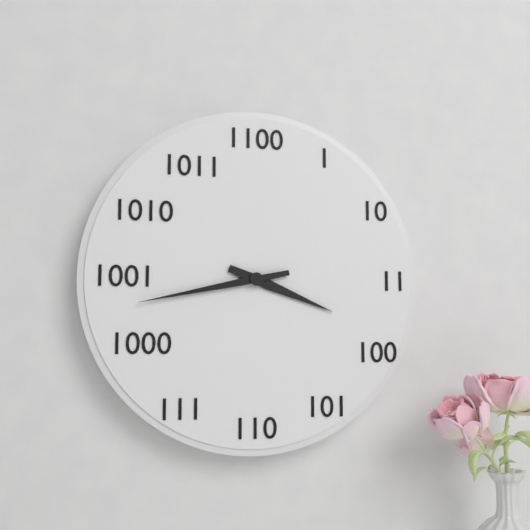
3:43
